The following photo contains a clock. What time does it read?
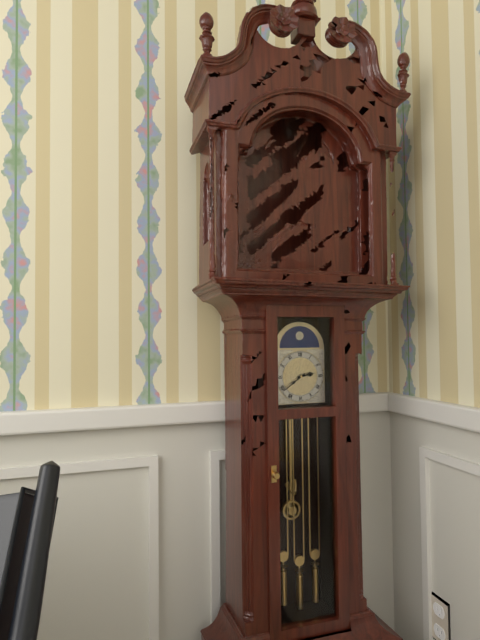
2:39
